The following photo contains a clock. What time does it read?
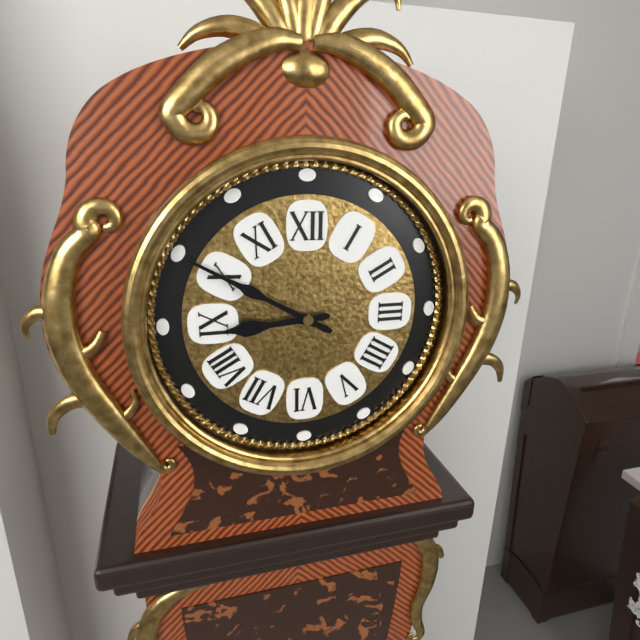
8:50
